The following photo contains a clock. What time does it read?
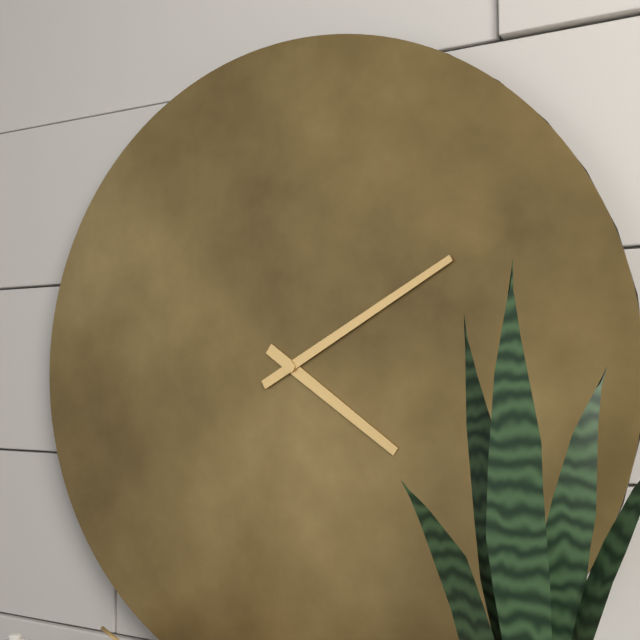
4:10
